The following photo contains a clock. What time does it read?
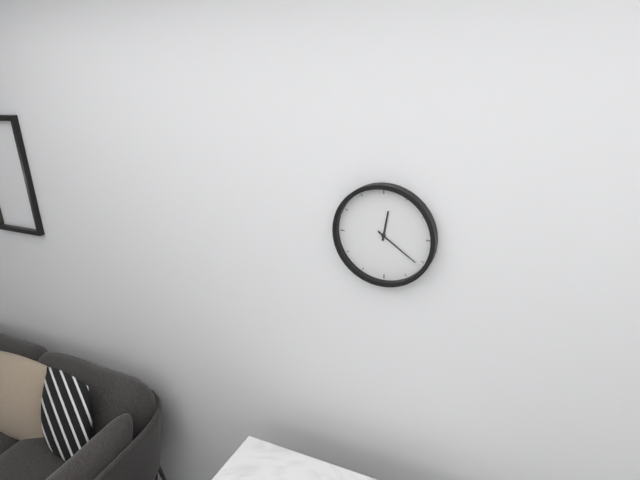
12:21
